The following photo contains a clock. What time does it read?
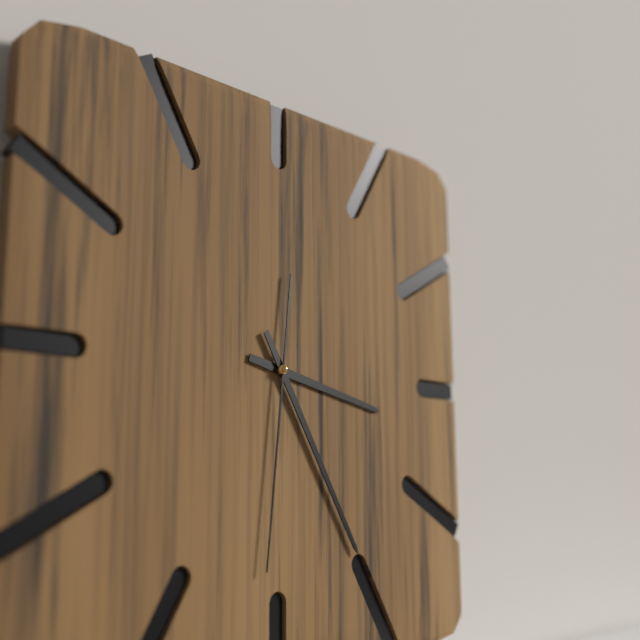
3:25:31
